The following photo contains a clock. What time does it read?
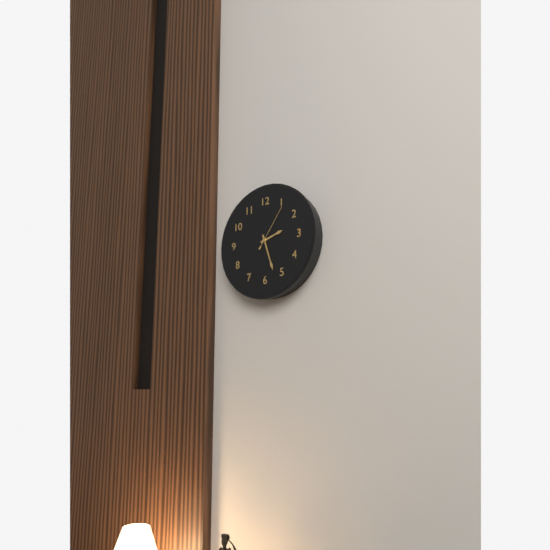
2:27
